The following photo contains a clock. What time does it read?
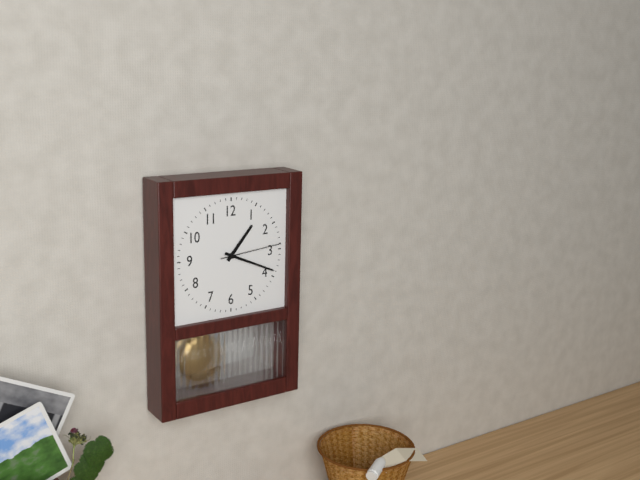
1:19:14
